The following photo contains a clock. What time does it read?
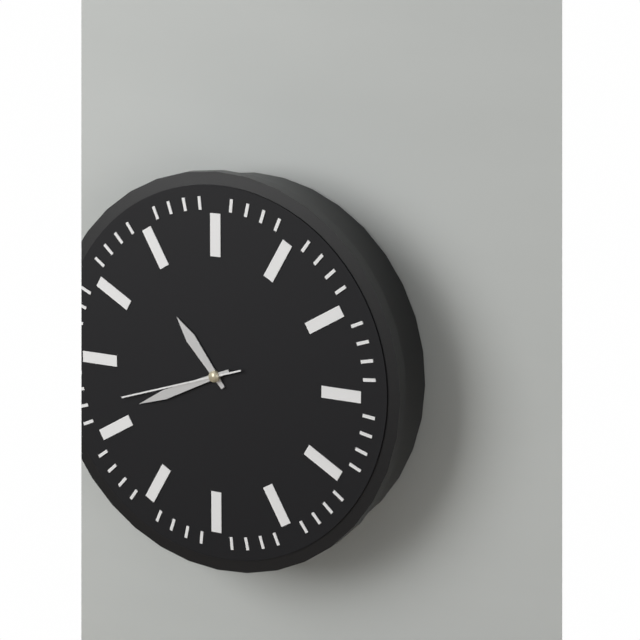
10:41:42
